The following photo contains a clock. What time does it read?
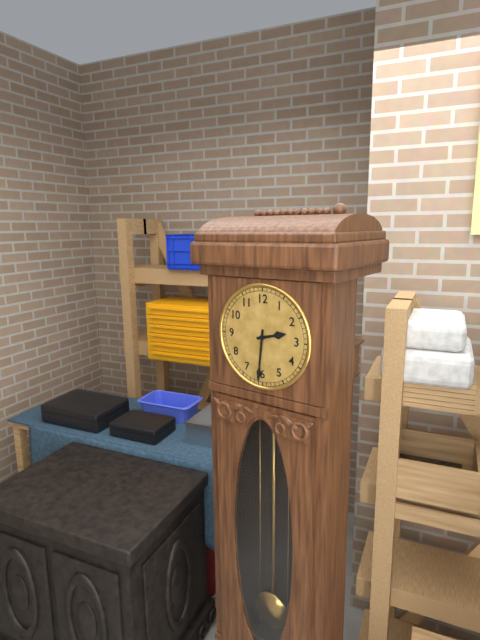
2:31
